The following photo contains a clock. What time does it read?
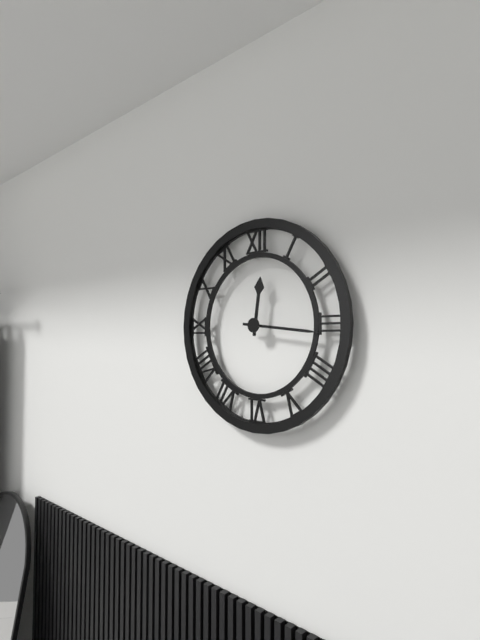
12:16
